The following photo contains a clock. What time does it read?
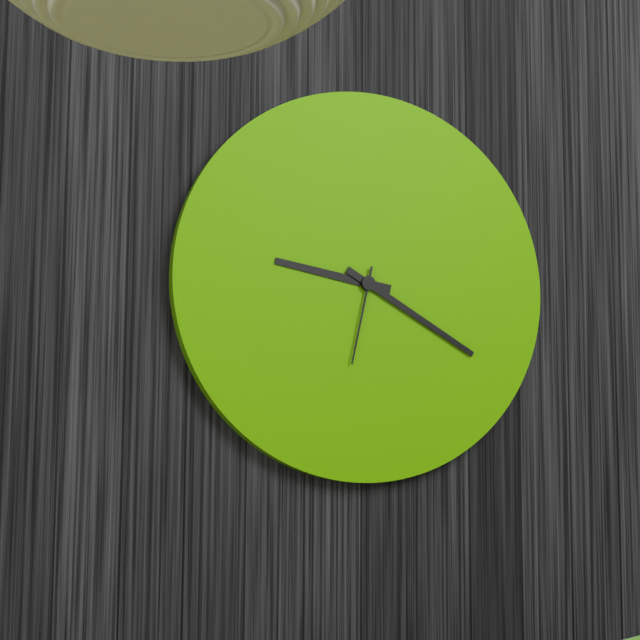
9:20:32
